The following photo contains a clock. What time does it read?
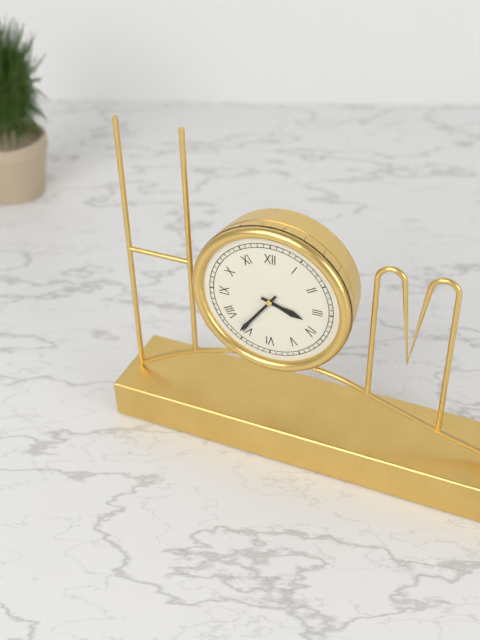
3:36
